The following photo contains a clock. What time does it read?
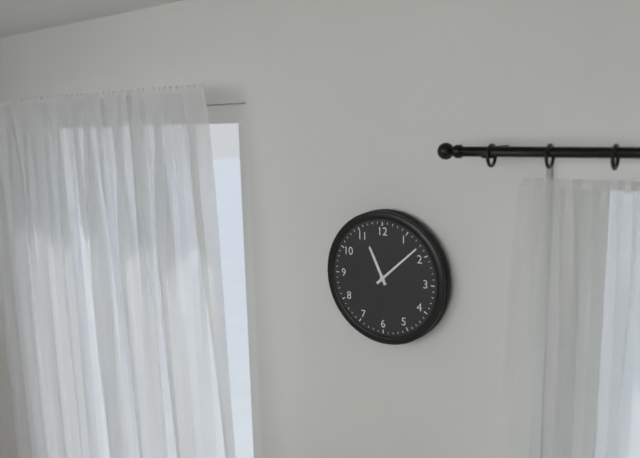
11:08
